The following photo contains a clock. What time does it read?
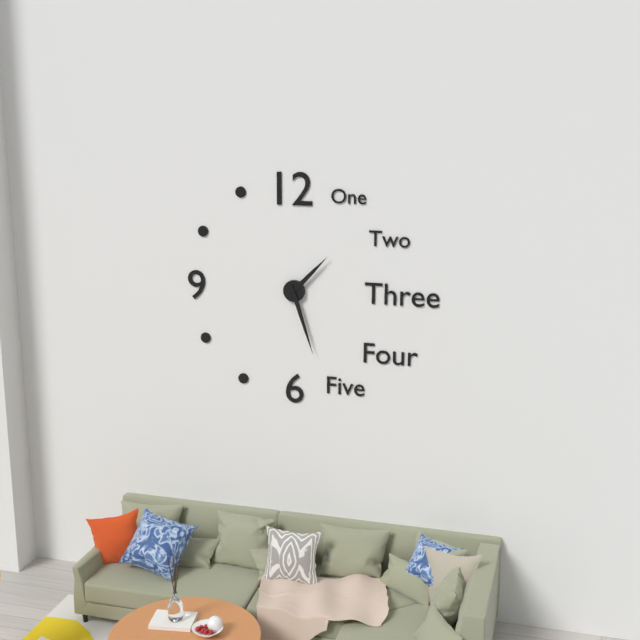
1:27
